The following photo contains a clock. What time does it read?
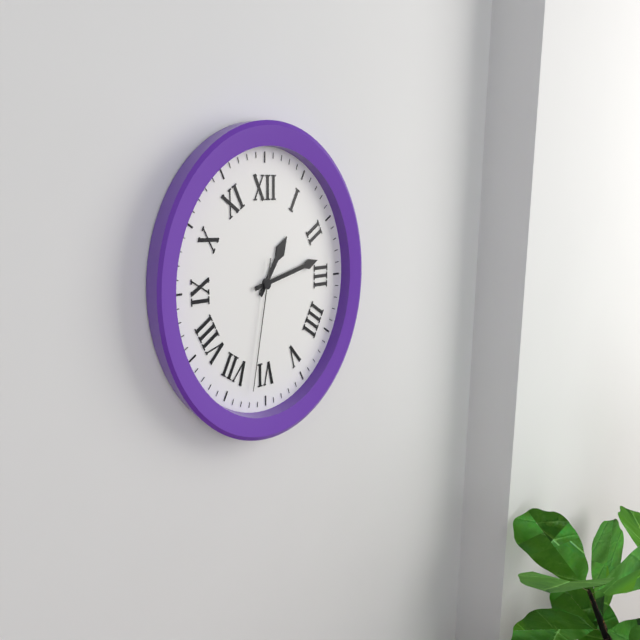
1:13:32
